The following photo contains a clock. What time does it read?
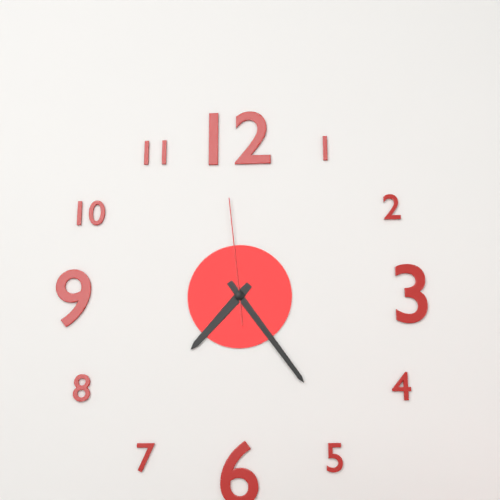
7:24:59
